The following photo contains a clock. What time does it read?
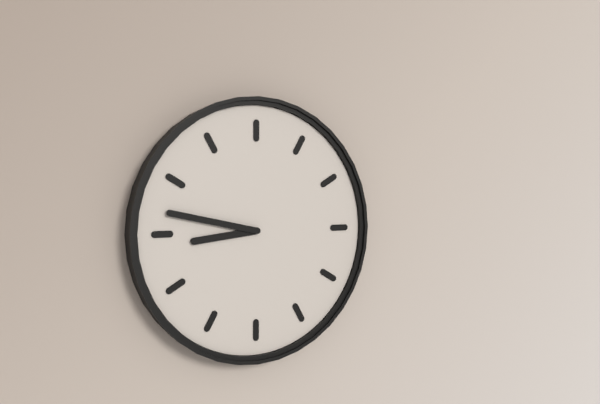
8:47
